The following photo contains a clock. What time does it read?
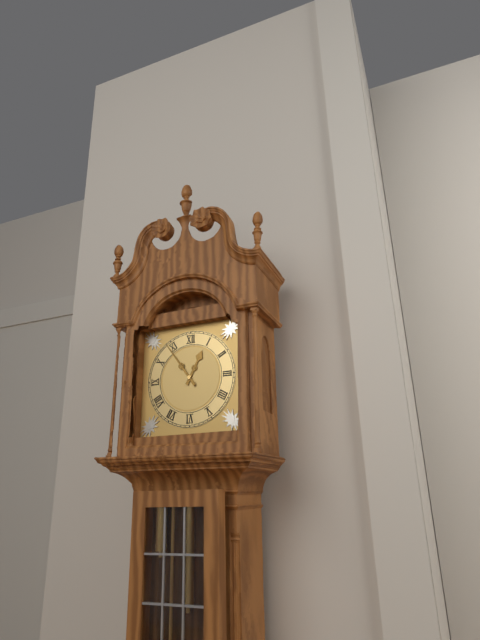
12:54
